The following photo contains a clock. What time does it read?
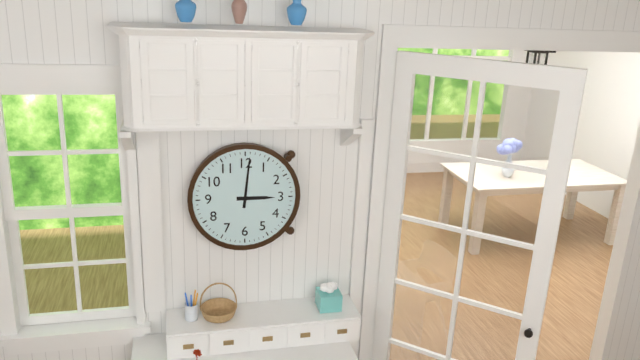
3:01
